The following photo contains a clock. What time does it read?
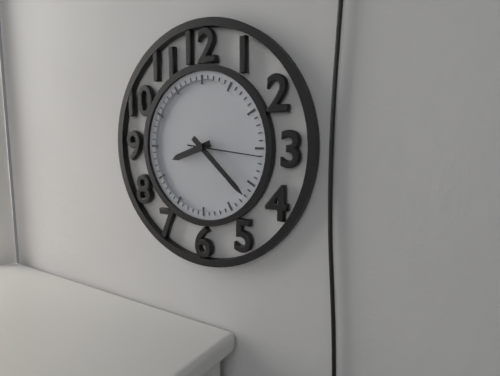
8:22:16
